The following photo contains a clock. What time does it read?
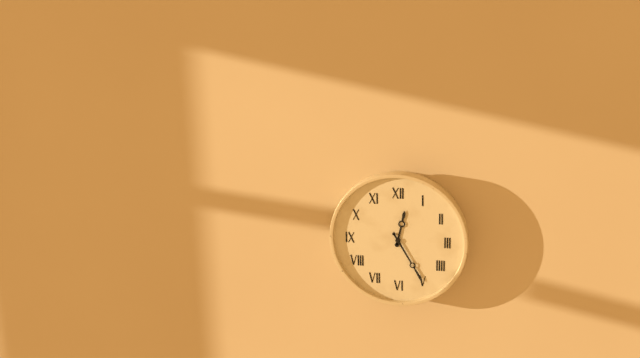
12:25
